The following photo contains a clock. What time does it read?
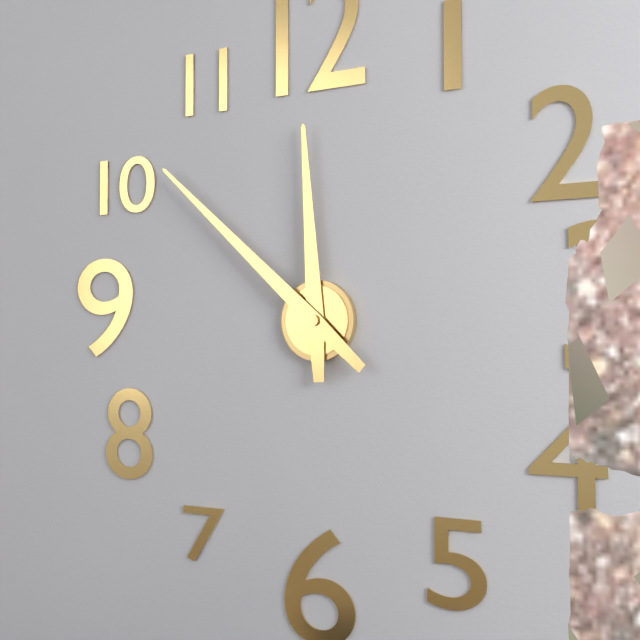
11:52
